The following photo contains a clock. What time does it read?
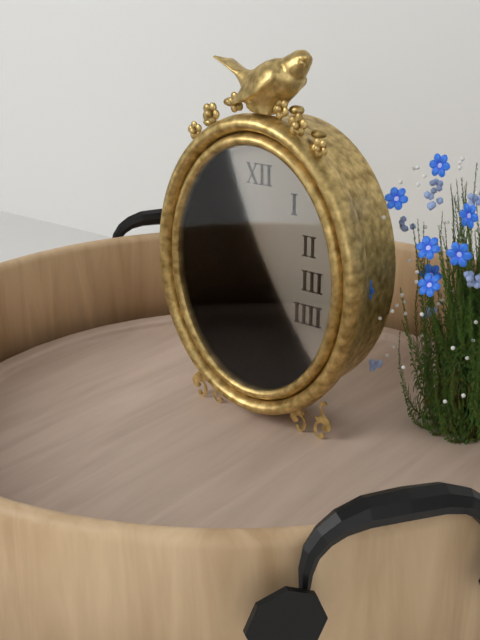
6:51:53
